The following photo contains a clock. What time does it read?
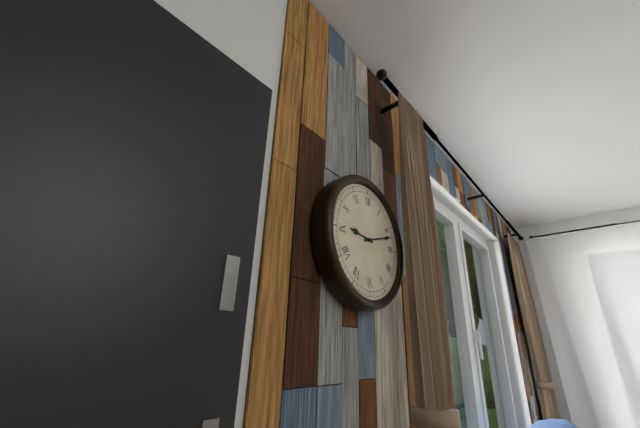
9:12
